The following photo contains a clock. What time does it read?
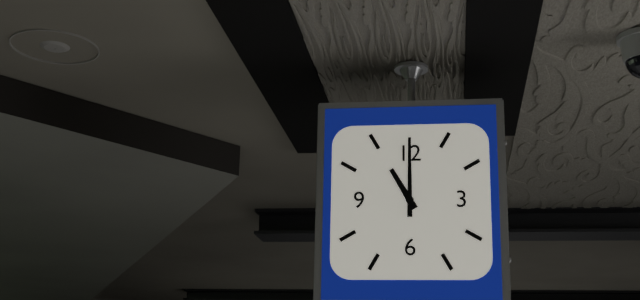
11:00
